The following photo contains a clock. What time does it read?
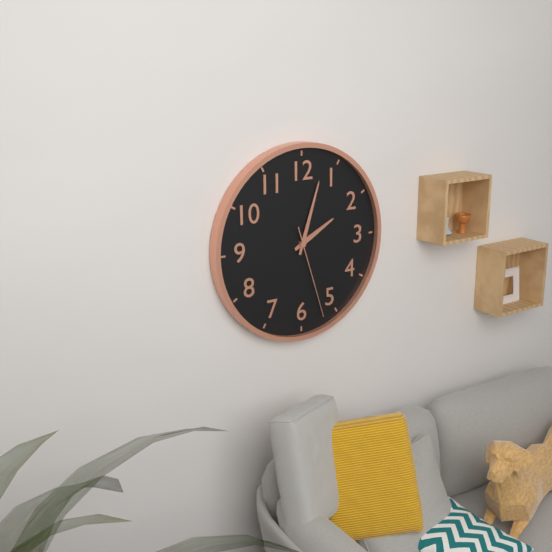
2:03:27
